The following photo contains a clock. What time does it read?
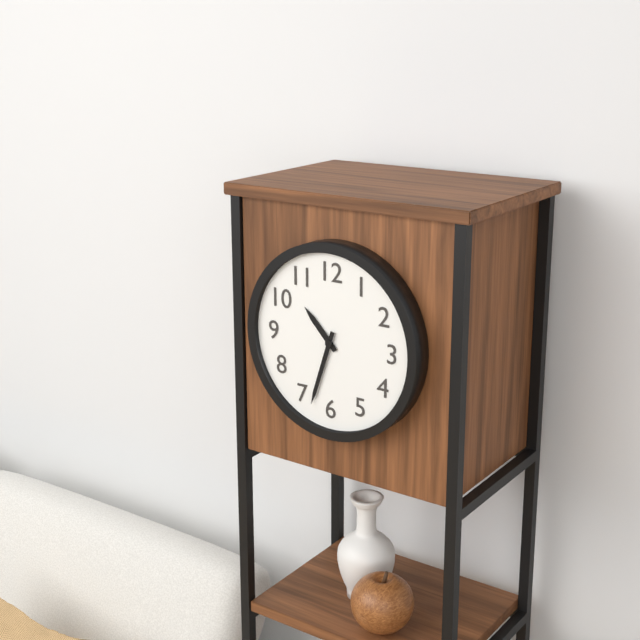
10:33
